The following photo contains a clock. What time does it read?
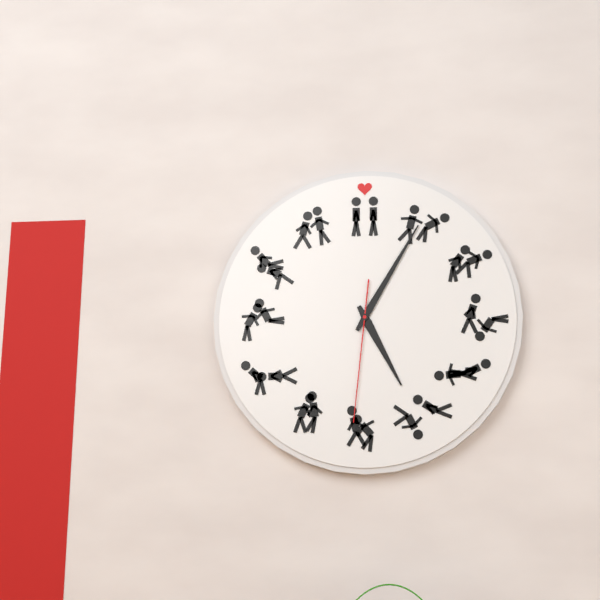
5:05:31
